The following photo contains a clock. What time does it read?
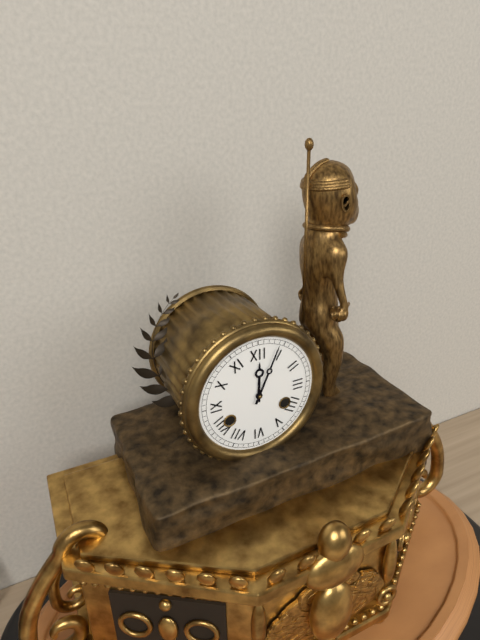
12:04
